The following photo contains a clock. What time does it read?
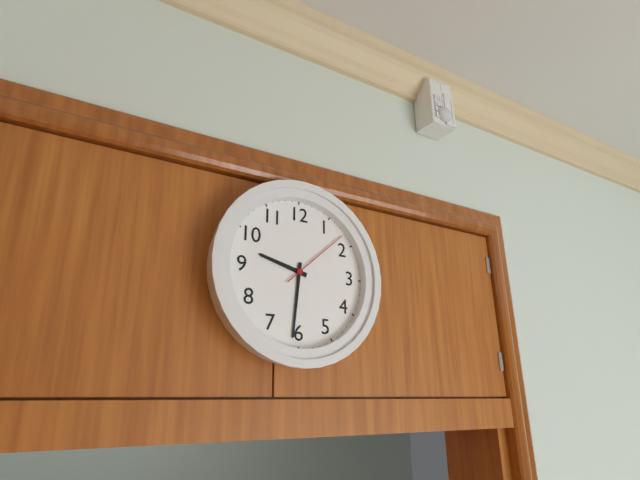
9:31:08
